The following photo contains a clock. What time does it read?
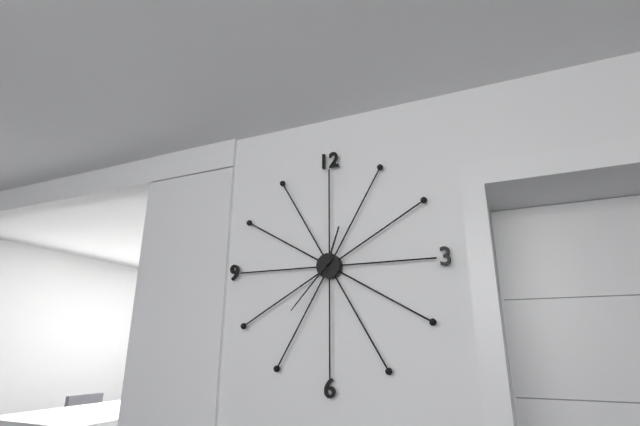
12:37
